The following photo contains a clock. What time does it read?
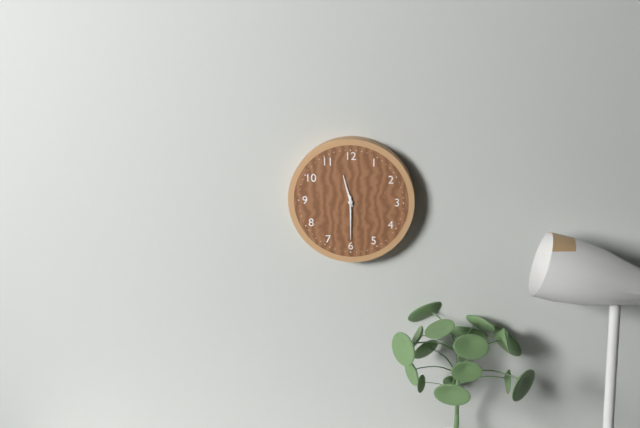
11:30
